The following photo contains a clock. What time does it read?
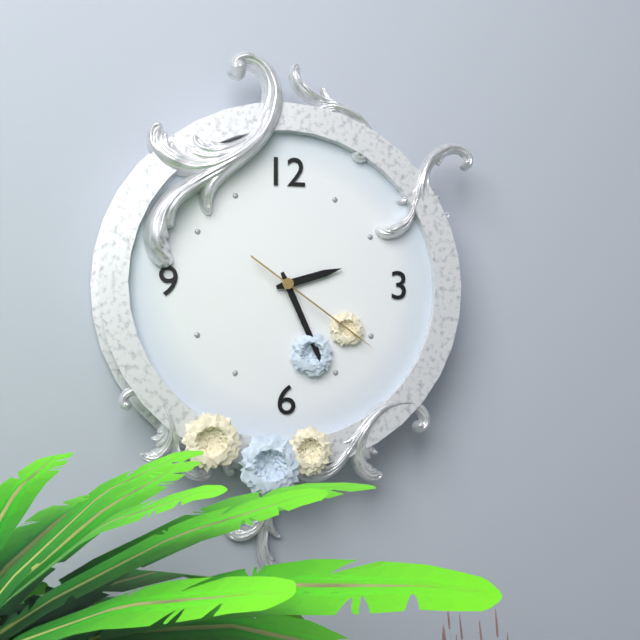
2:26:21
